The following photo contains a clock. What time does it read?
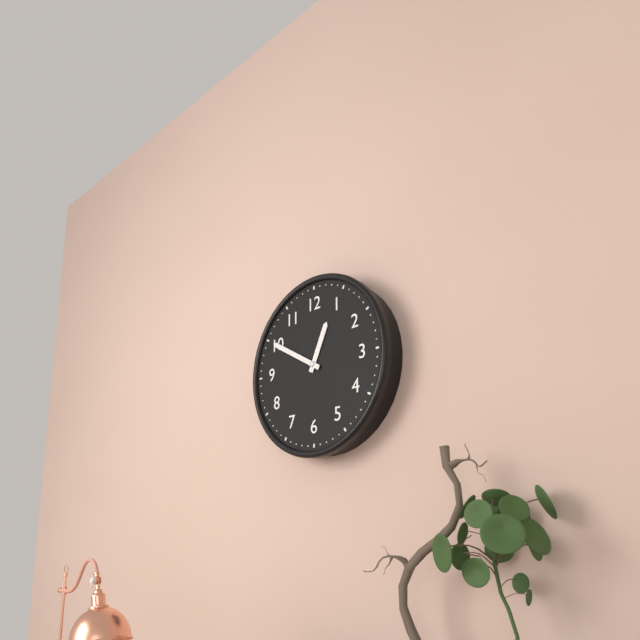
12:50
